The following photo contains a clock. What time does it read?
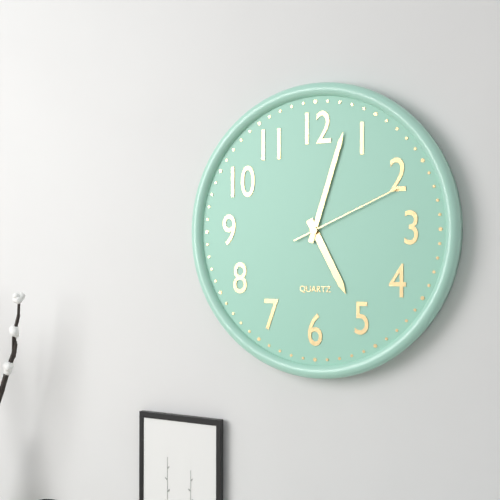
5:03:11
